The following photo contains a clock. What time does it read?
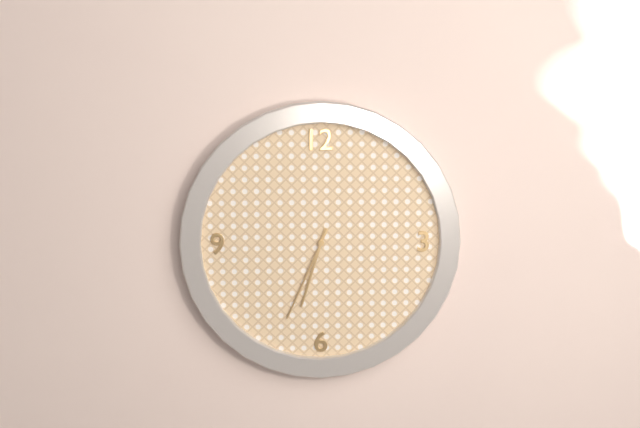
6:34
